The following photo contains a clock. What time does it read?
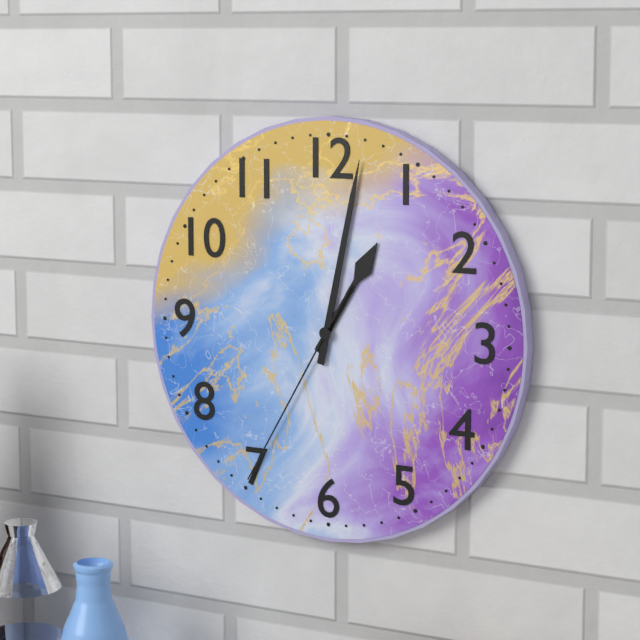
1:02:35
